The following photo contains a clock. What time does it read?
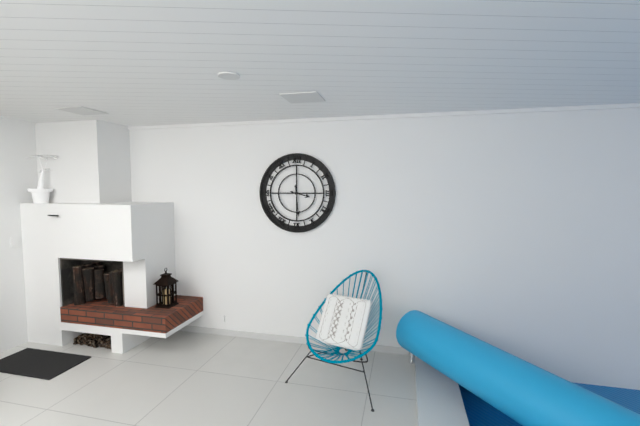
3:29
